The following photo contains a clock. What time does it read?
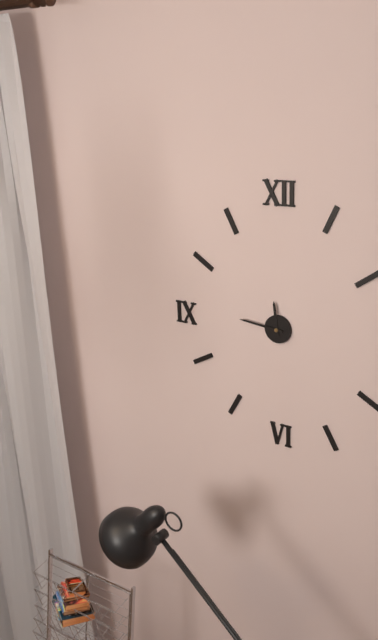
11:46
